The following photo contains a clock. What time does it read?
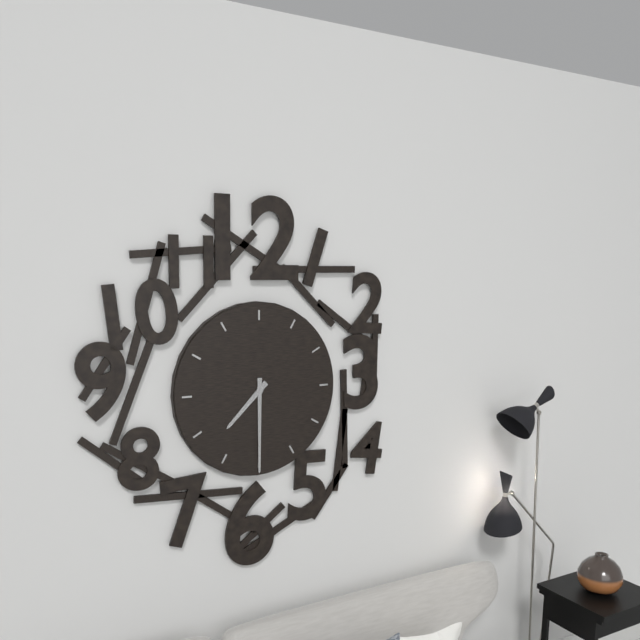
7:30
